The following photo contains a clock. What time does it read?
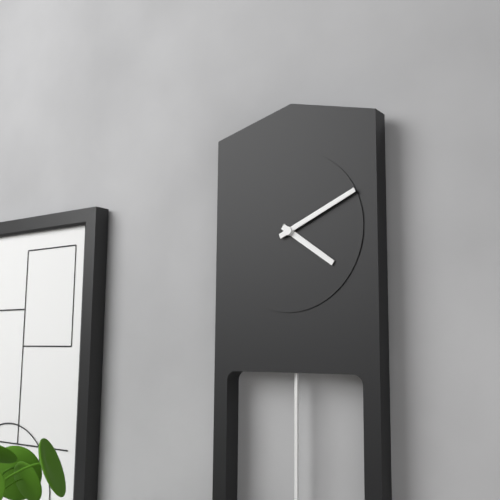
4:11
